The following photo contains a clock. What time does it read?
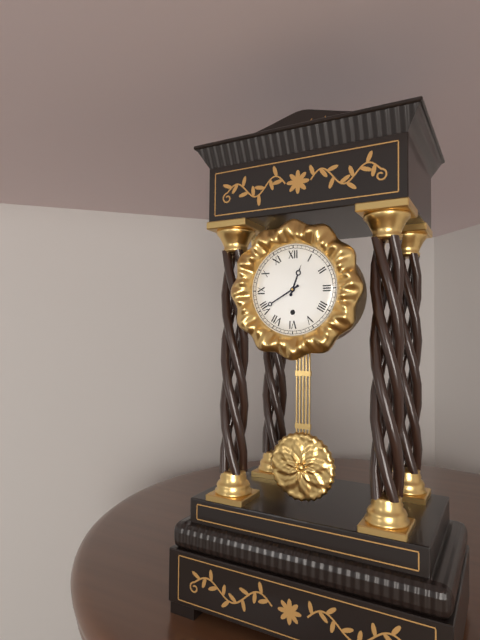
12:40
